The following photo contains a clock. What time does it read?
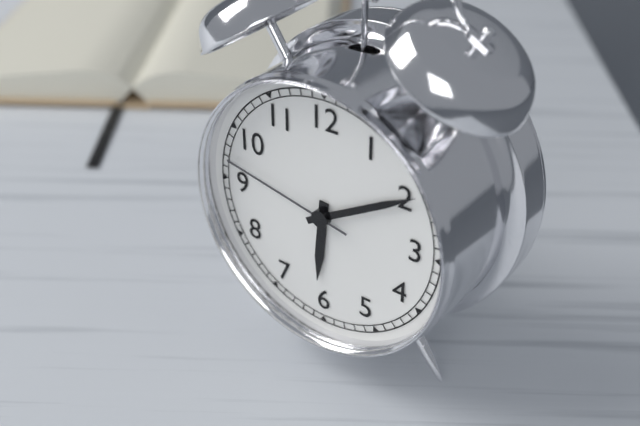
6:10:47
